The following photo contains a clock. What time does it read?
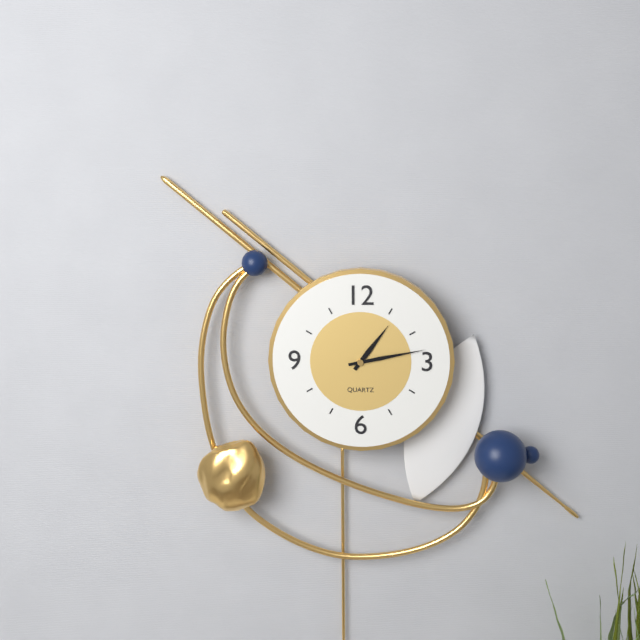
1:13
